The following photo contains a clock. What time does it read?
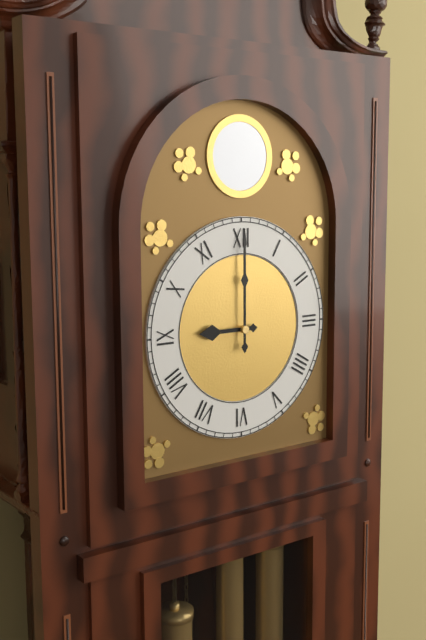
9:00
